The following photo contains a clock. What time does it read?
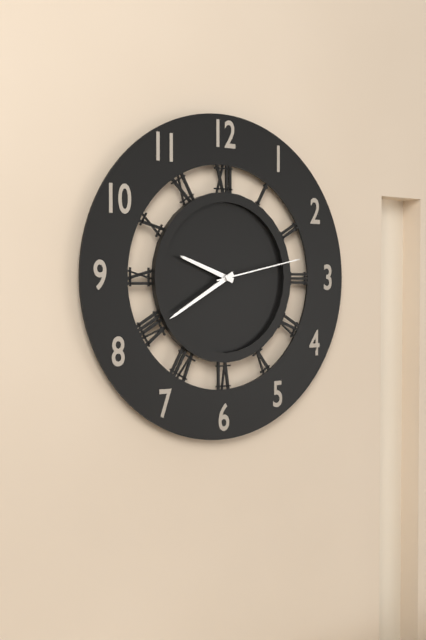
9:40:13
